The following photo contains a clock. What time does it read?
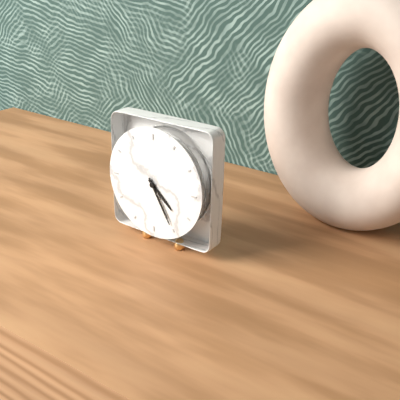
4:25
